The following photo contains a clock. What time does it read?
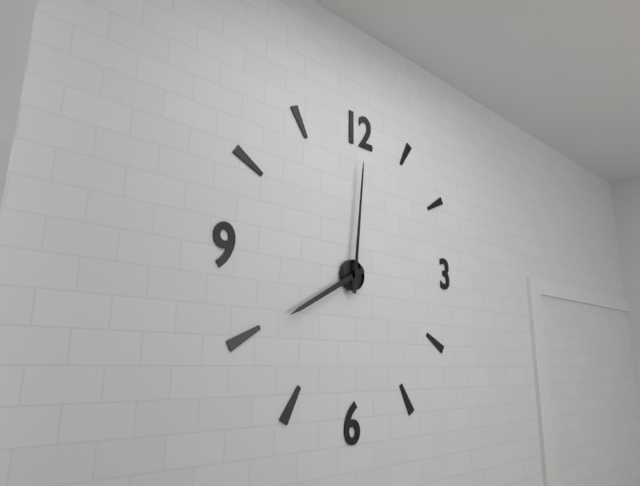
8:01
